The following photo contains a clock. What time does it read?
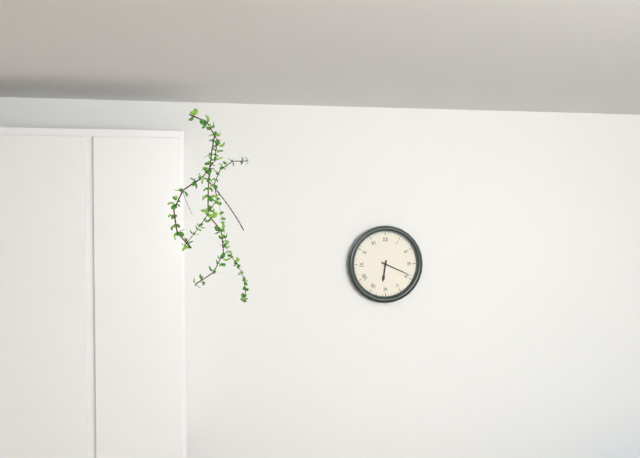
6:19
